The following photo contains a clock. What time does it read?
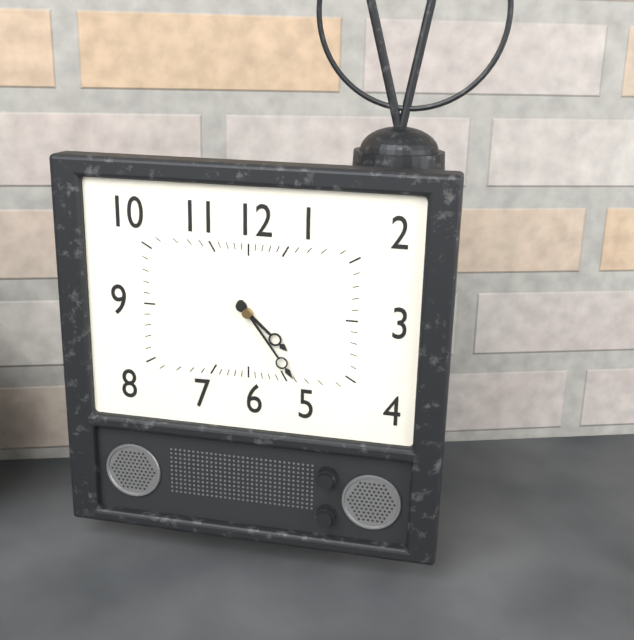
4:24
